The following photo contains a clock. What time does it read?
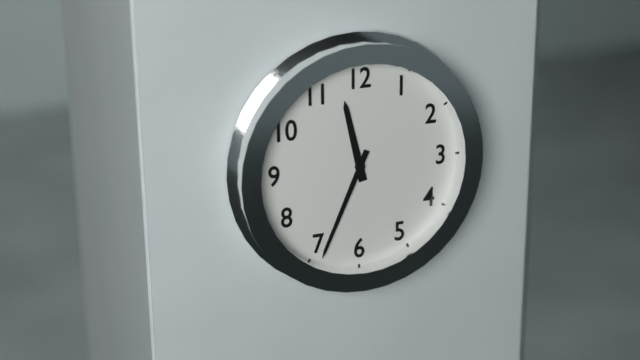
11:34
